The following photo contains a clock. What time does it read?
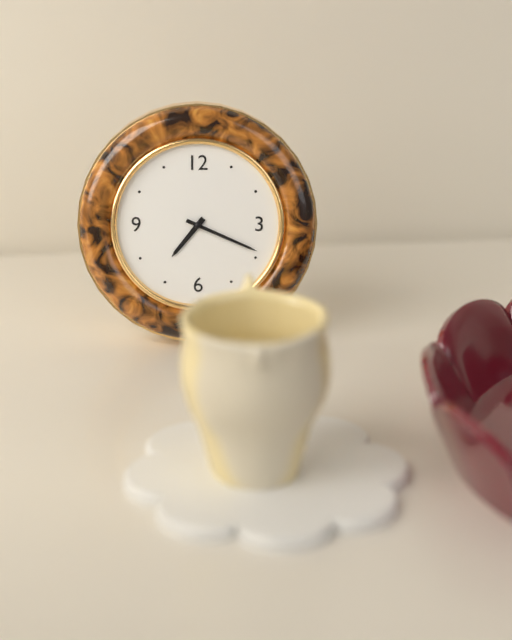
7:19
